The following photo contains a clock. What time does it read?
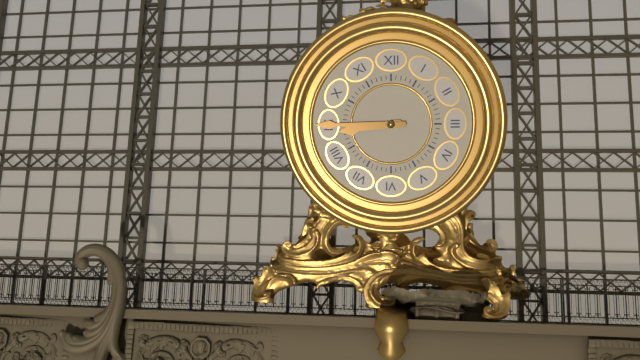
8:45
